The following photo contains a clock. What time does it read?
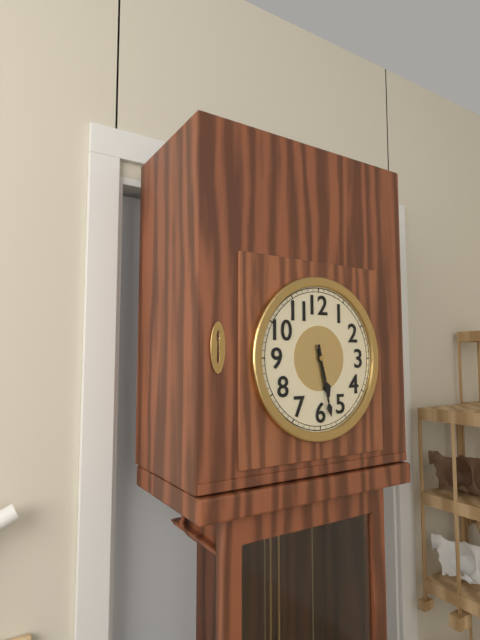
5:28
